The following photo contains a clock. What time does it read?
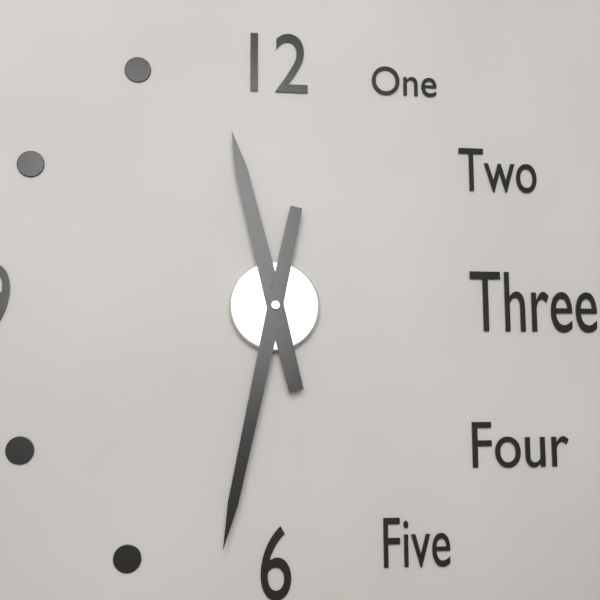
11:32
